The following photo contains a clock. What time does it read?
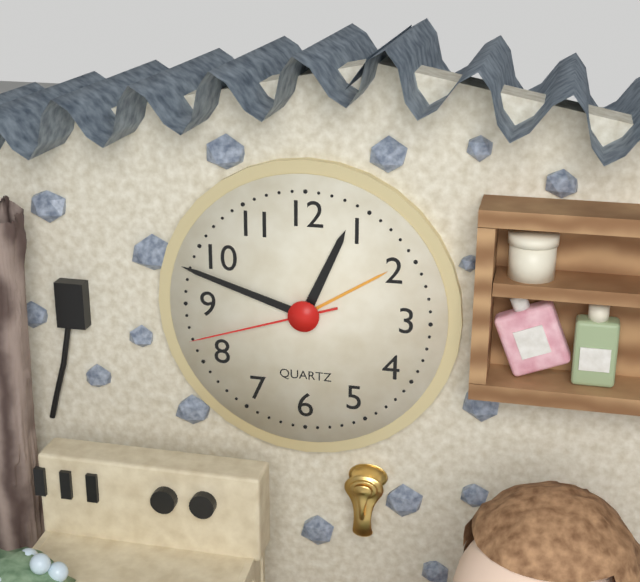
12:48:42
